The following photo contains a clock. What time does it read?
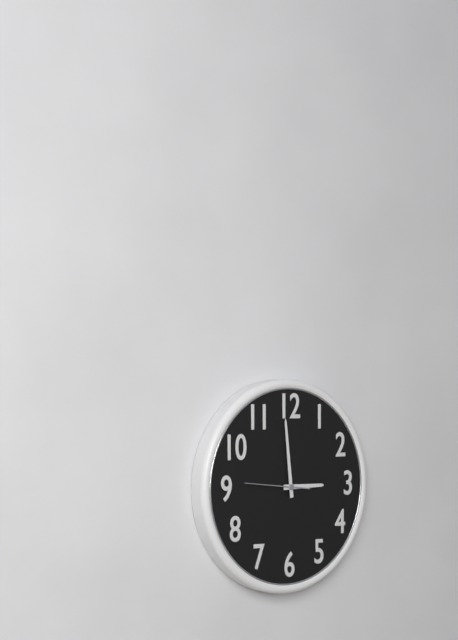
2:59:46
